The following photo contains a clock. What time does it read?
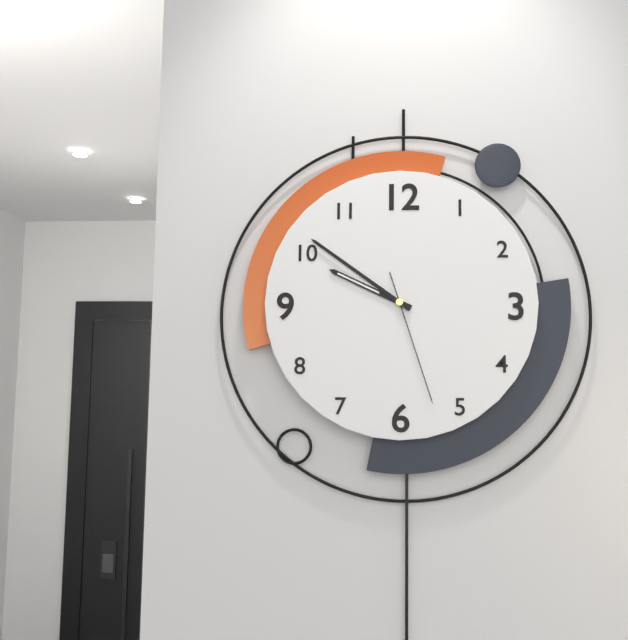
9:51:27
